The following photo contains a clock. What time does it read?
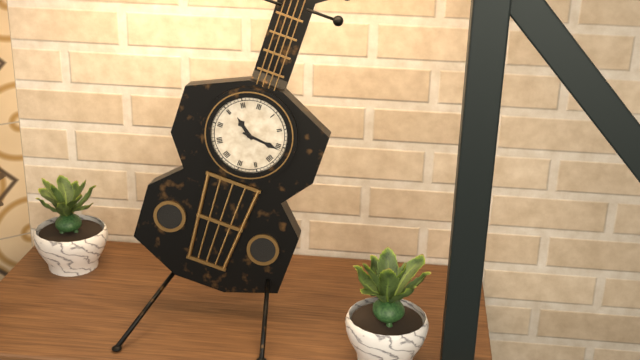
10:16
